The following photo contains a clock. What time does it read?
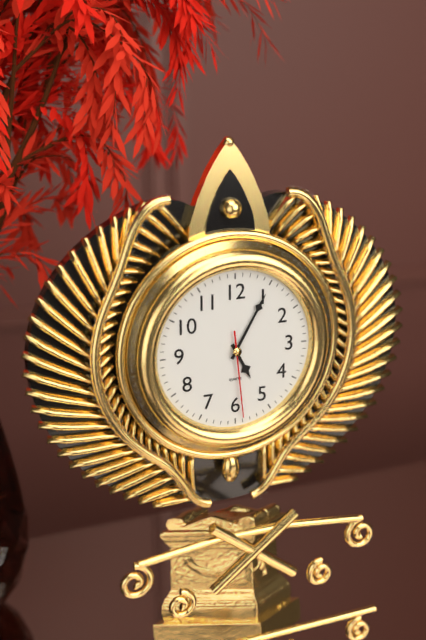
5:05:29
